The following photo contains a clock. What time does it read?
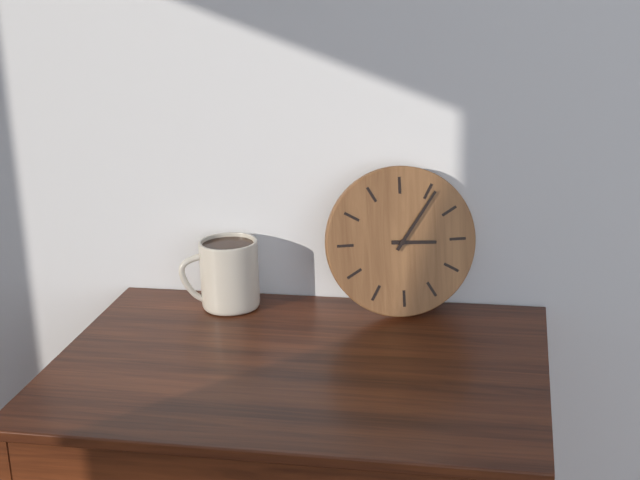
3:06
